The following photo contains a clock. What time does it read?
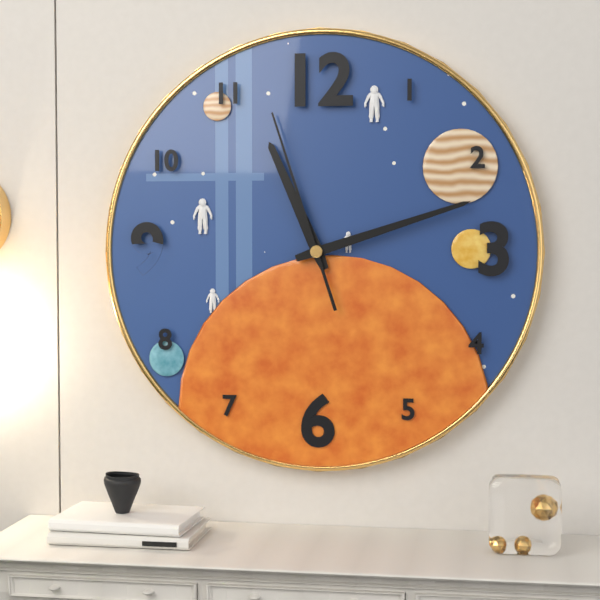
11:12:57
